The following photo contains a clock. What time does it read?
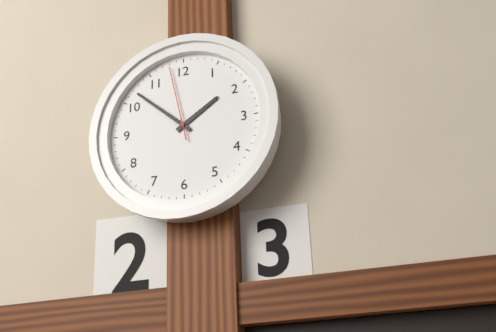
1:52:58
